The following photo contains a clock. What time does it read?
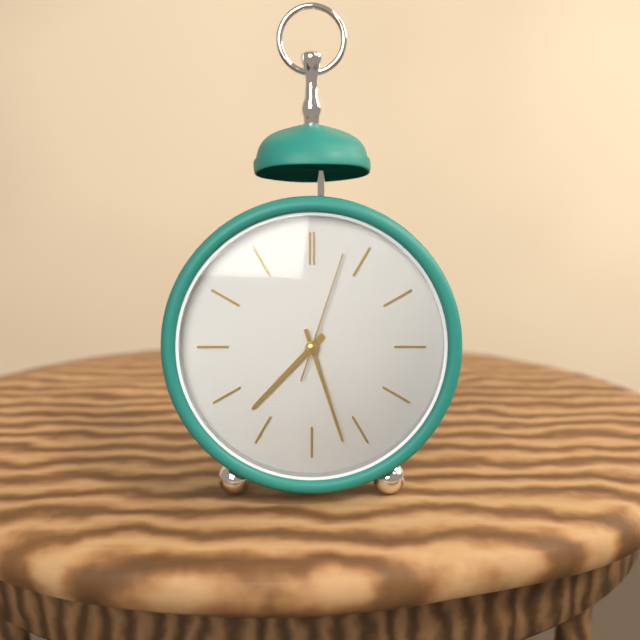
7:27:03
